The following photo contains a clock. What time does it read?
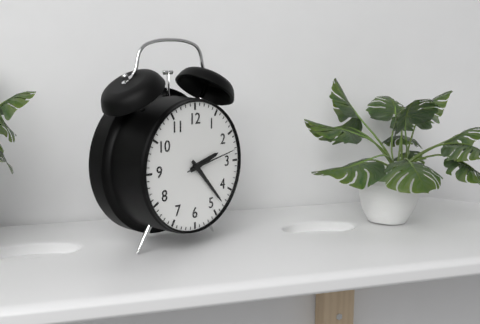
2:23:13
